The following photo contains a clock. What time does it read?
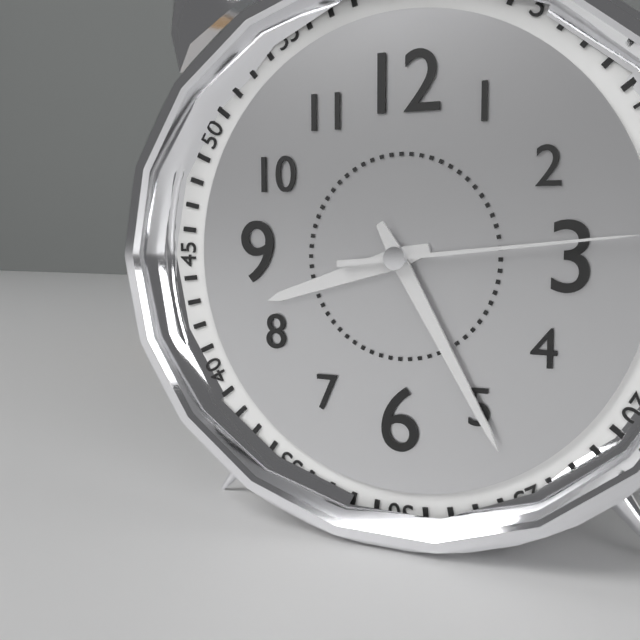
8:25
